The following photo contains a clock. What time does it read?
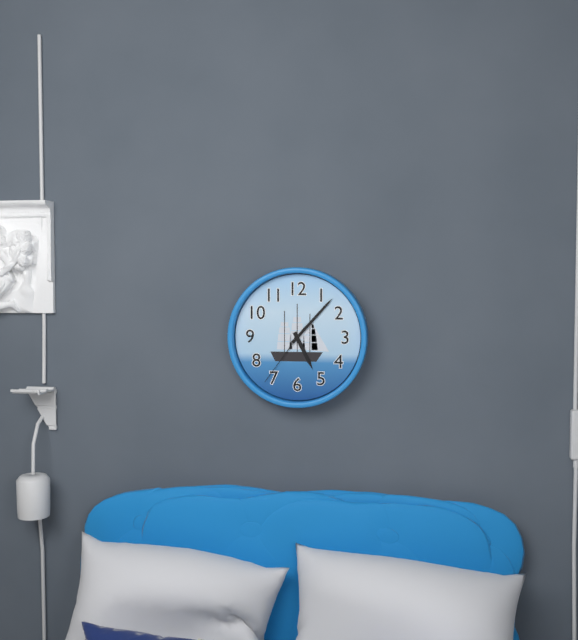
5:07:36
